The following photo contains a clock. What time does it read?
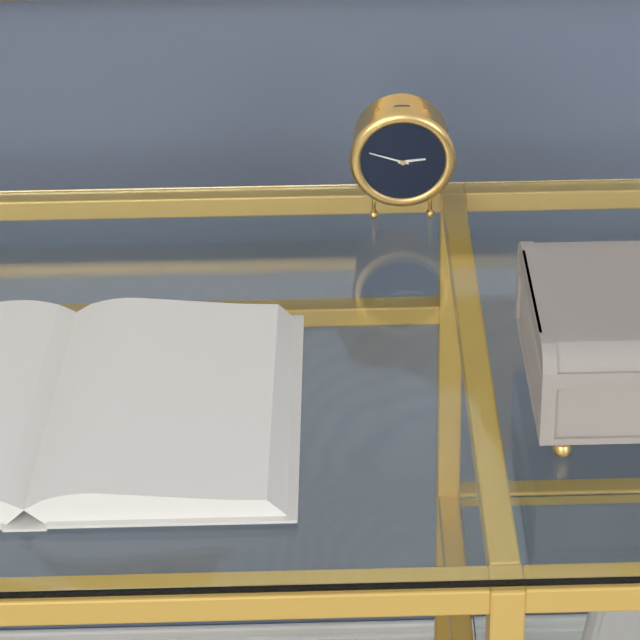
2:48
